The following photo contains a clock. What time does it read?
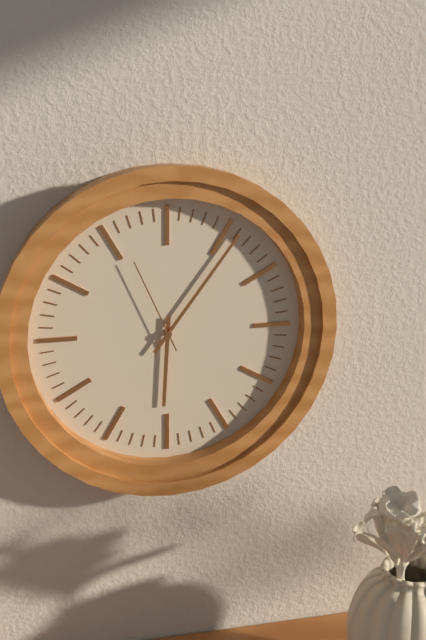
6:06:56
